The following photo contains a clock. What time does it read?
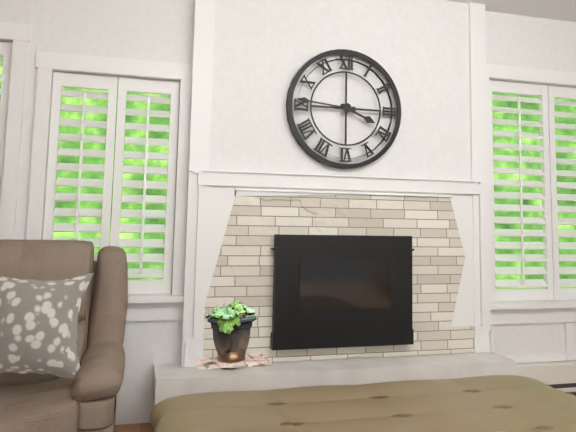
3:46
